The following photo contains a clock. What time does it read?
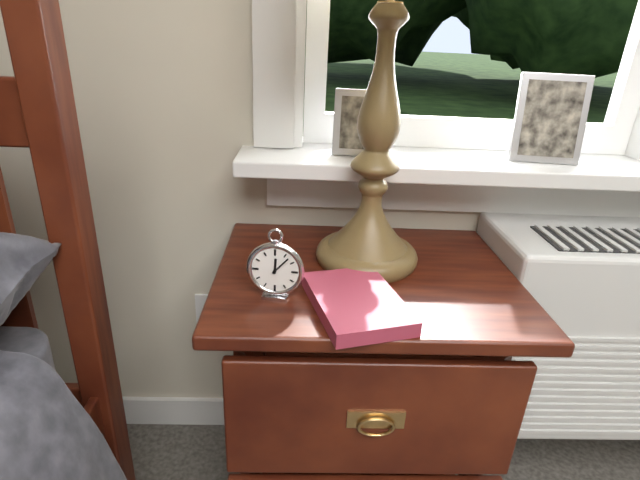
12:07
